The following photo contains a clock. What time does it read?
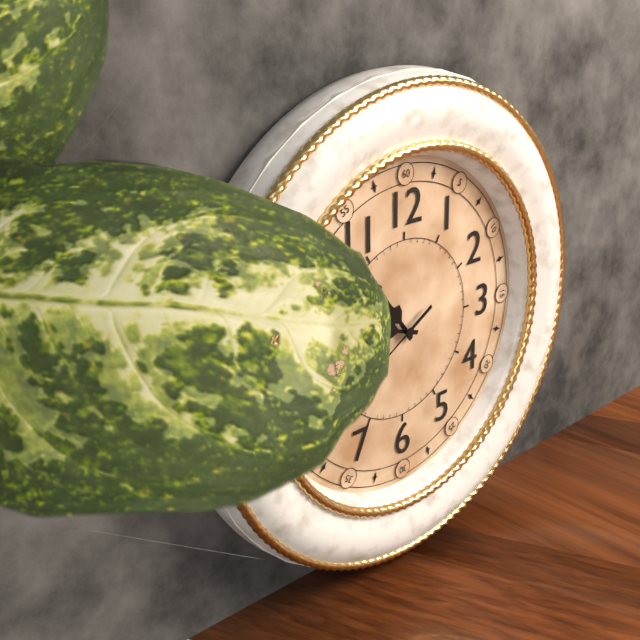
10:48:40
